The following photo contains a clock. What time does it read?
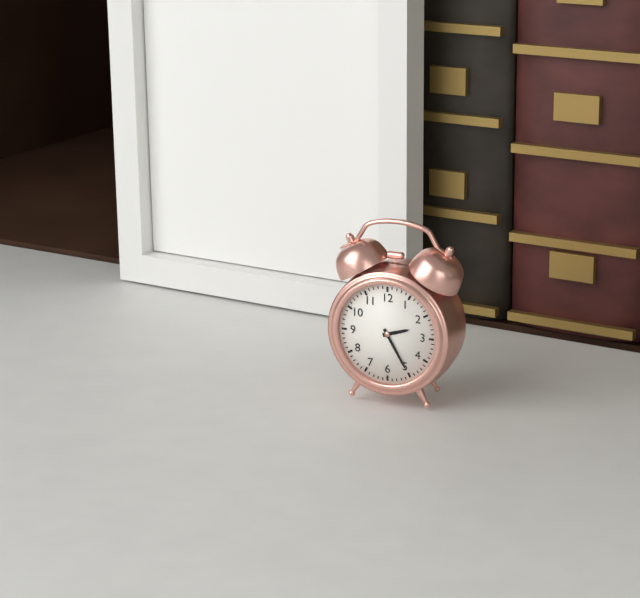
2:25
